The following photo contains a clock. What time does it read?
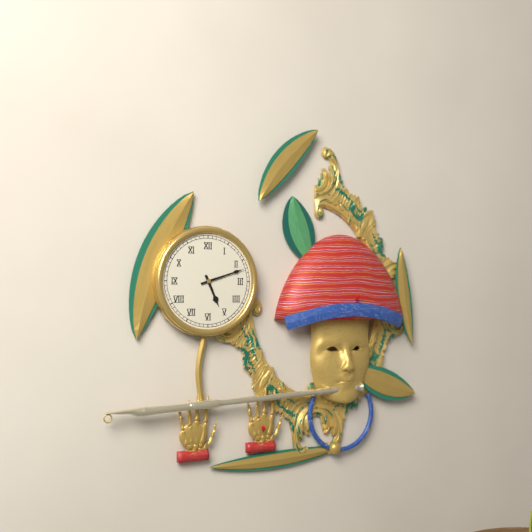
5:12
